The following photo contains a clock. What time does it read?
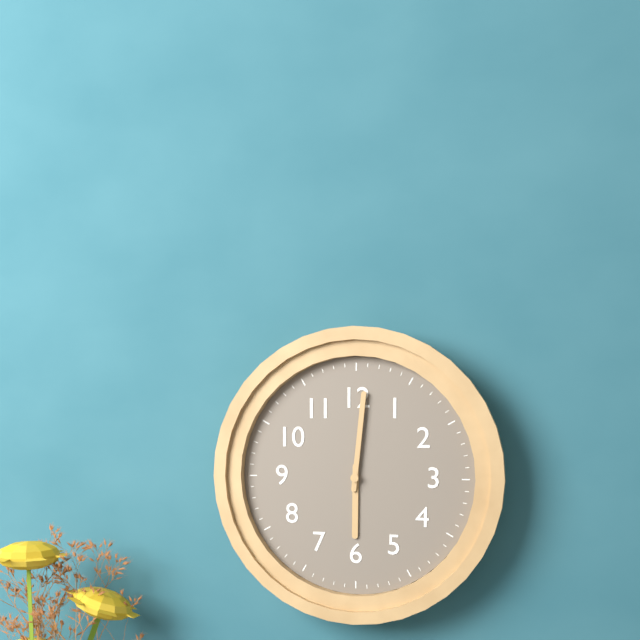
6:01
